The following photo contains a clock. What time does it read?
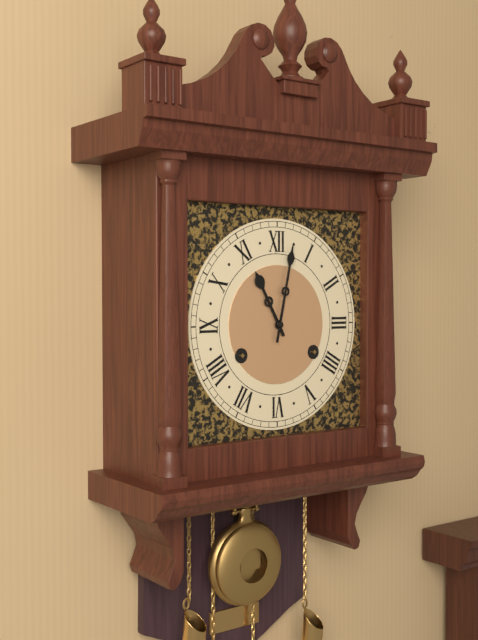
11:02
